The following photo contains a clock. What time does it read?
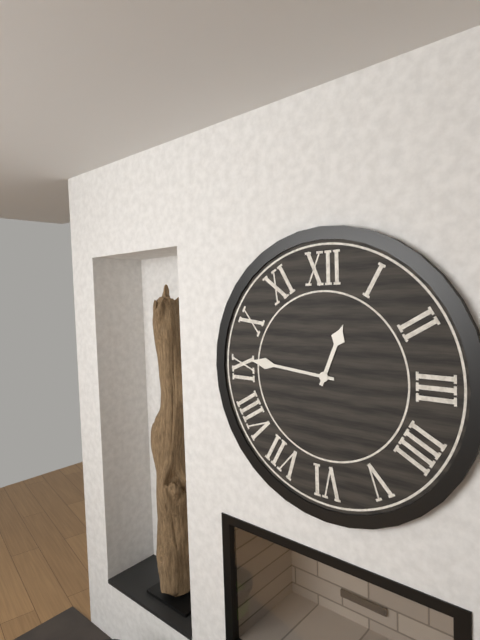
12:46
